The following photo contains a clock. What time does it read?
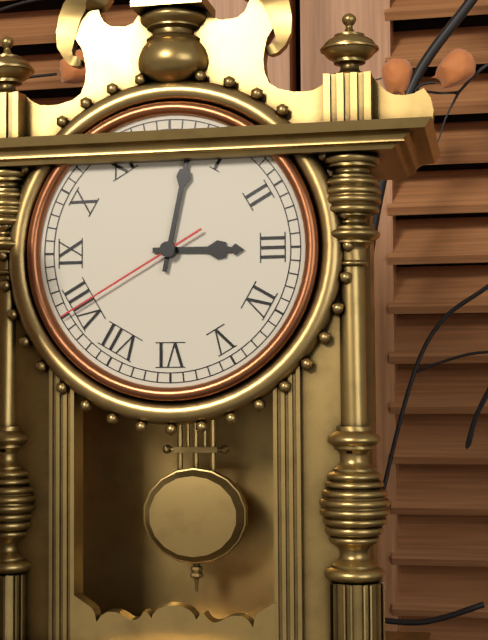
3:02:40
